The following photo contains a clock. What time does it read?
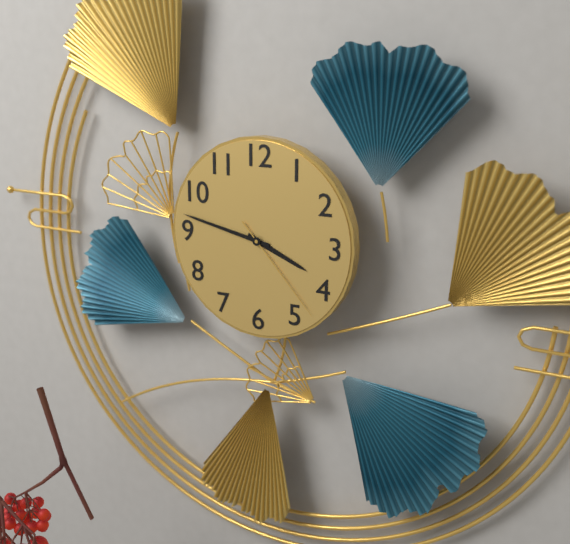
3:47:23
